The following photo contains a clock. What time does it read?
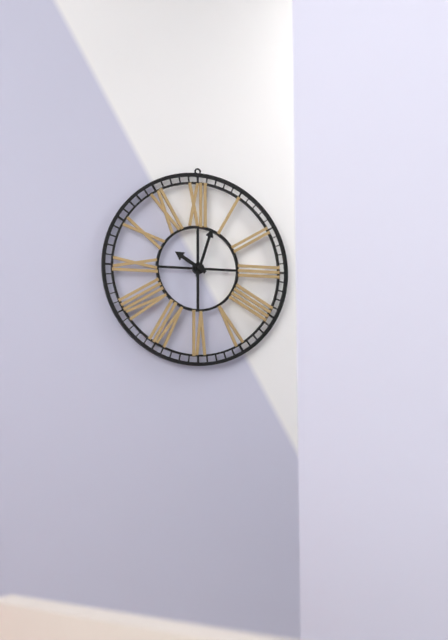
10:03
